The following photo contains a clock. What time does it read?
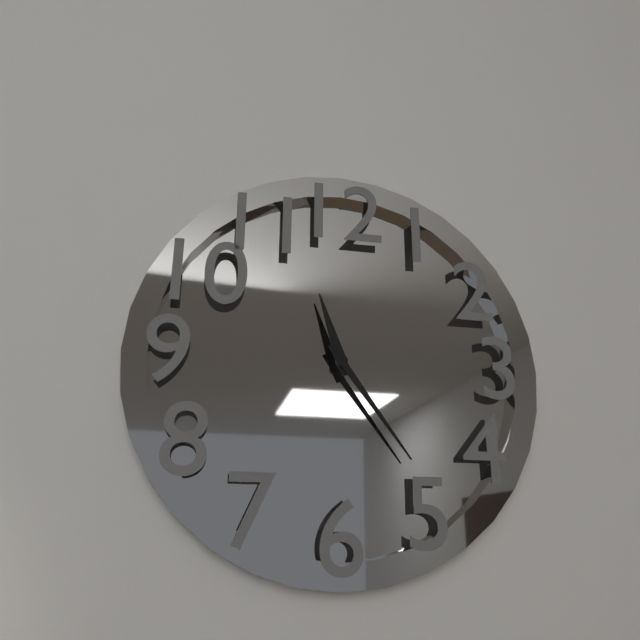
11:24
